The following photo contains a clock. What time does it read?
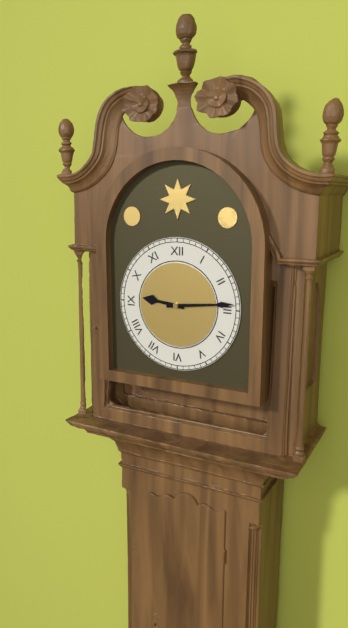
9:14
